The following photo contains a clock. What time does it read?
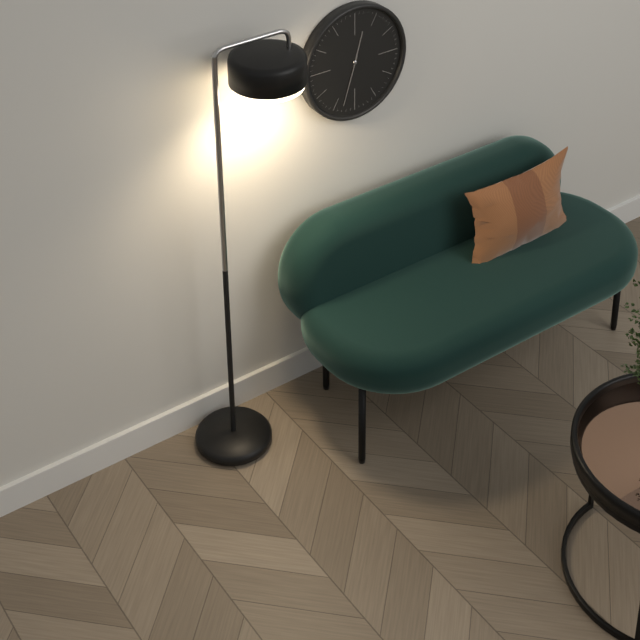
12:33
